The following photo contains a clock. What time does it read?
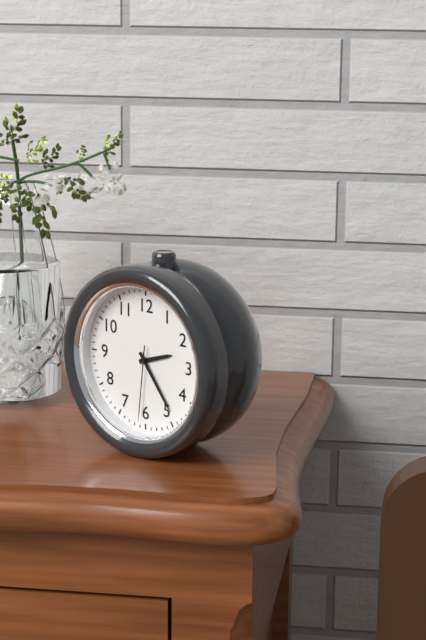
2:24:31
